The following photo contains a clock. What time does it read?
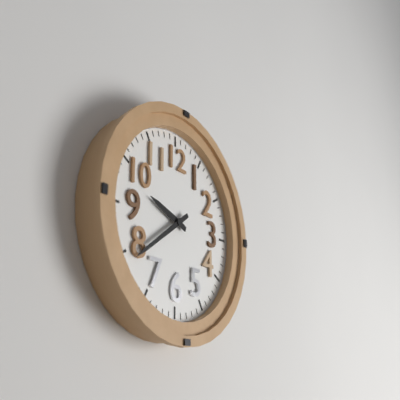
9:39
